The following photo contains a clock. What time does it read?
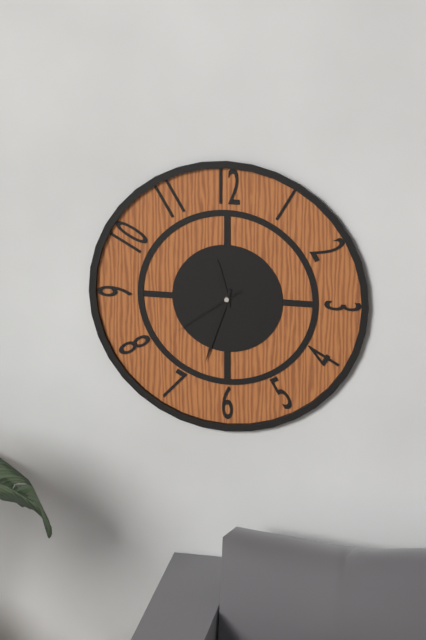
11:33:39
